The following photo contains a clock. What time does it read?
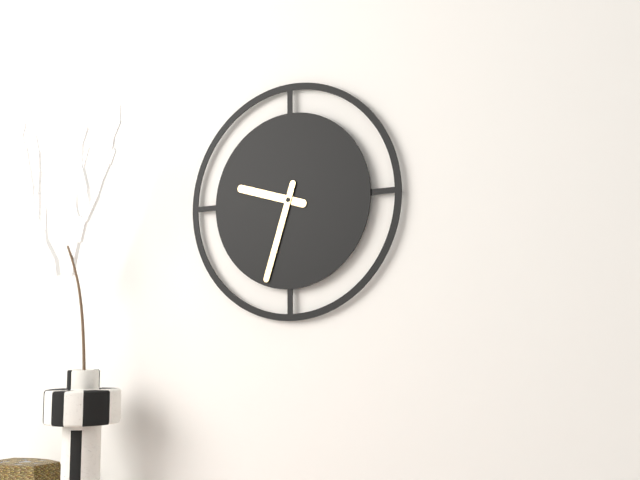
9:33
